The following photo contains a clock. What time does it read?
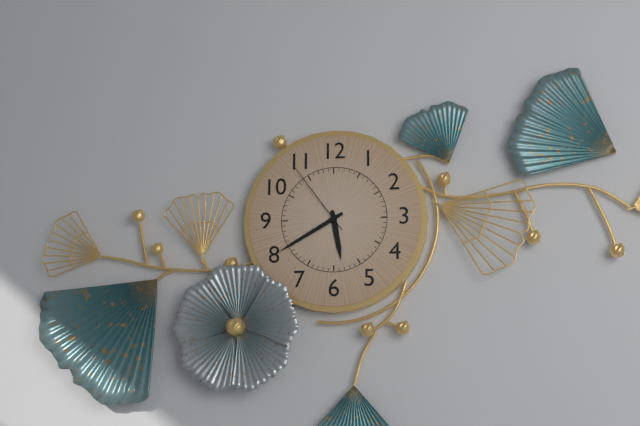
5:40:54
